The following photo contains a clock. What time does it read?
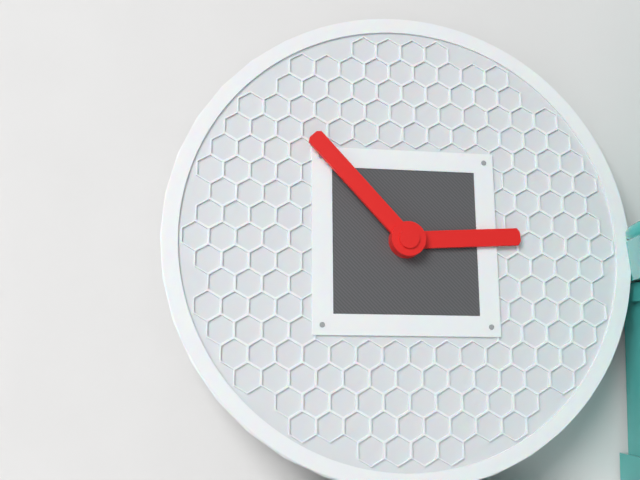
2:53
